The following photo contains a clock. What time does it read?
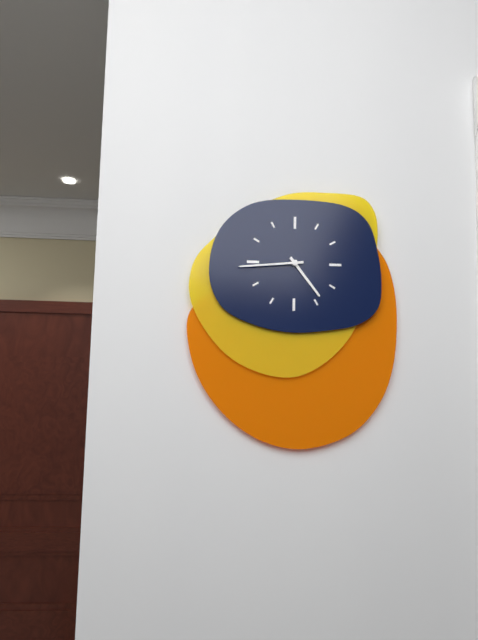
4:44
